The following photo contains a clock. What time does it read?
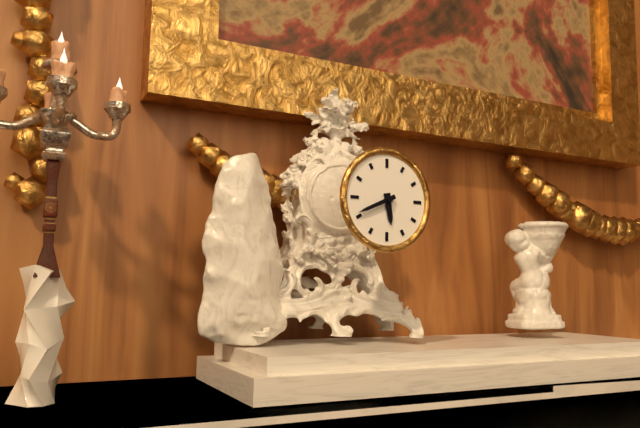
5:41
